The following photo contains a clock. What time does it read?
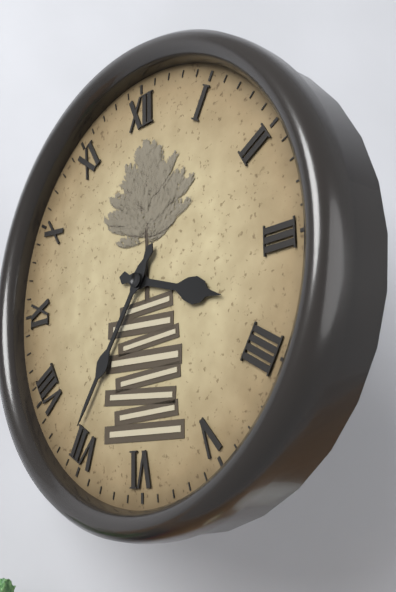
3:36
